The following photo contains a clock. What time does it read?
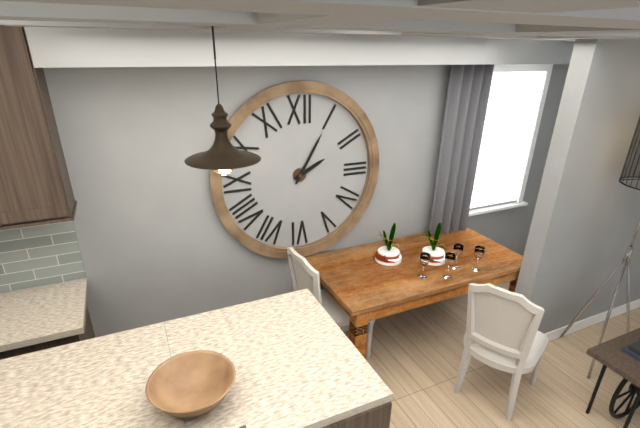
2:05
